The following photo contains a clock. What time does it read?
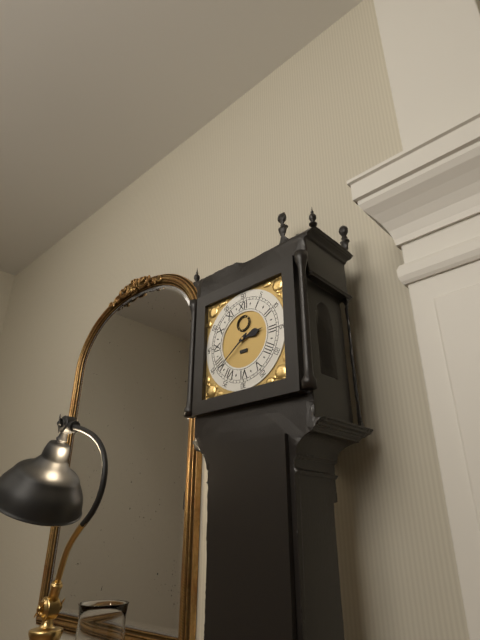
2:39
